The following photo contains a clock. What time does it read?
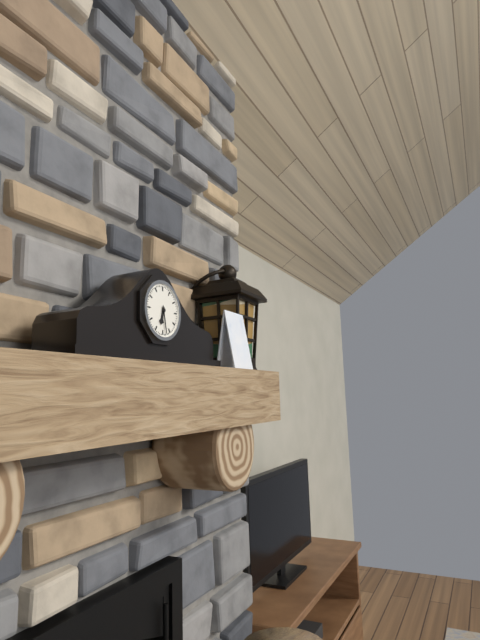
6:28
